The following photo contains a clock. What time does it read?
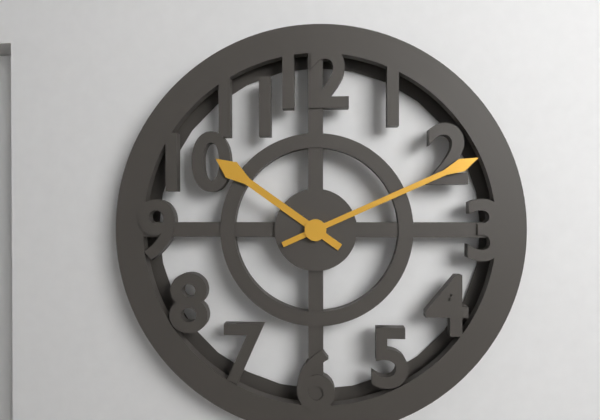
10:11
